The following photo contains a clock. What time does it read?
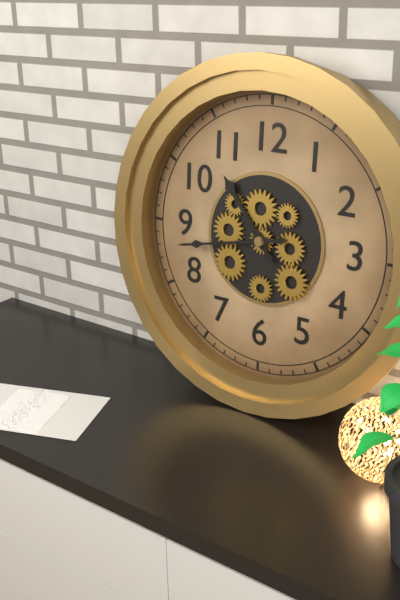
10:43
